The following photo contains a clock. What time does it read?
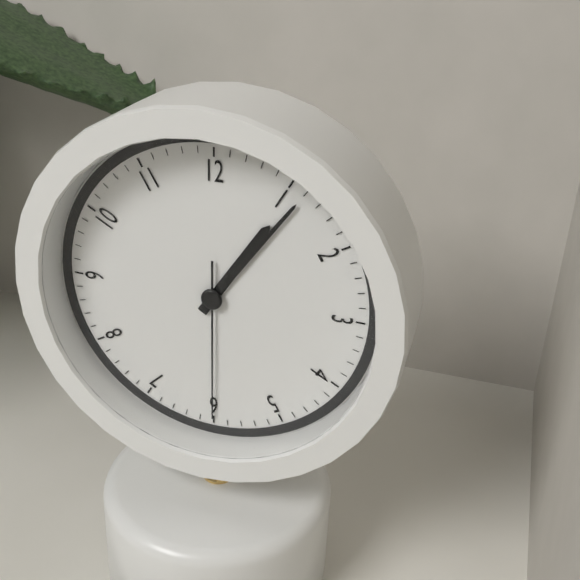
1:06:30
